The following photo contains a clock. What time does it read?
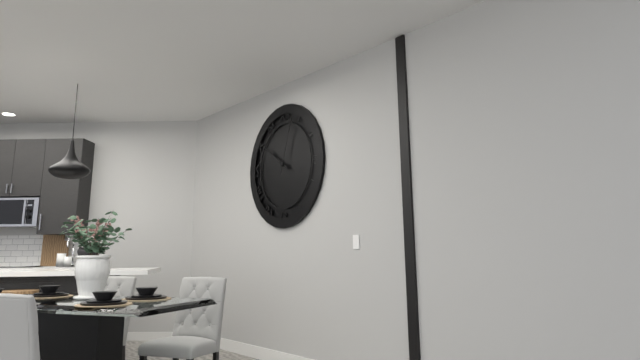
10:03
